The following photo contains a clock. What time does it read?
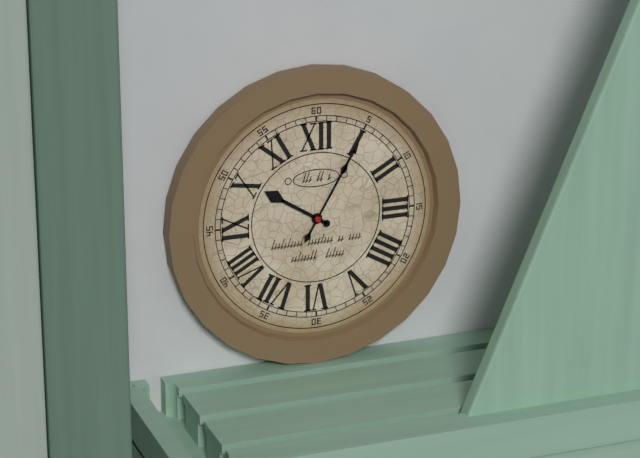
10:05
